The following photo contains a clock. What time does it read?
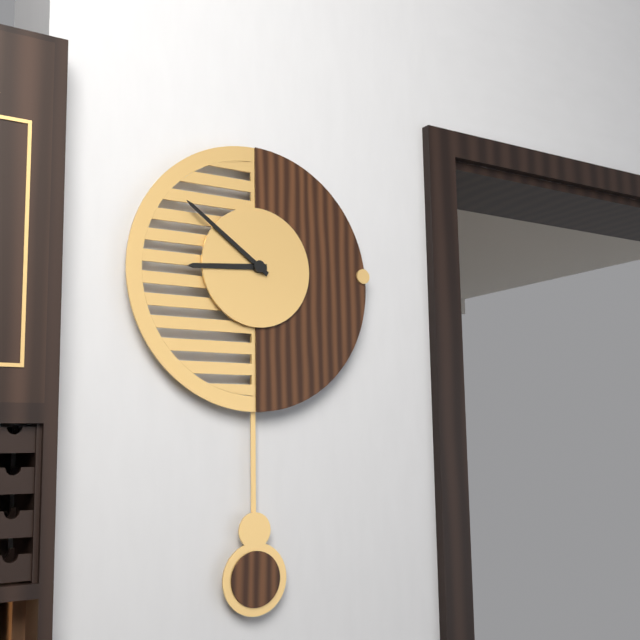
8:51
